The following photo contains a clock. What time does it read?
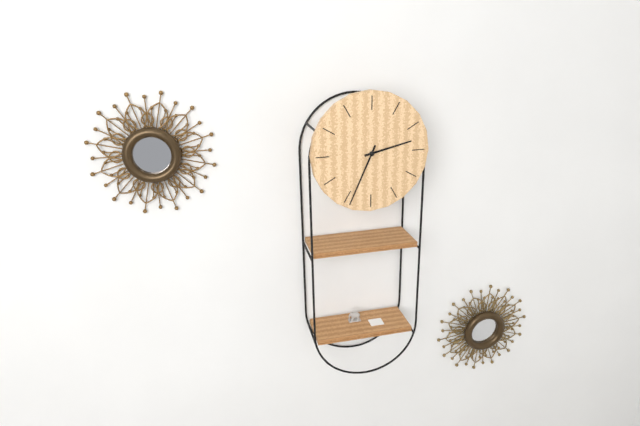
2:34
